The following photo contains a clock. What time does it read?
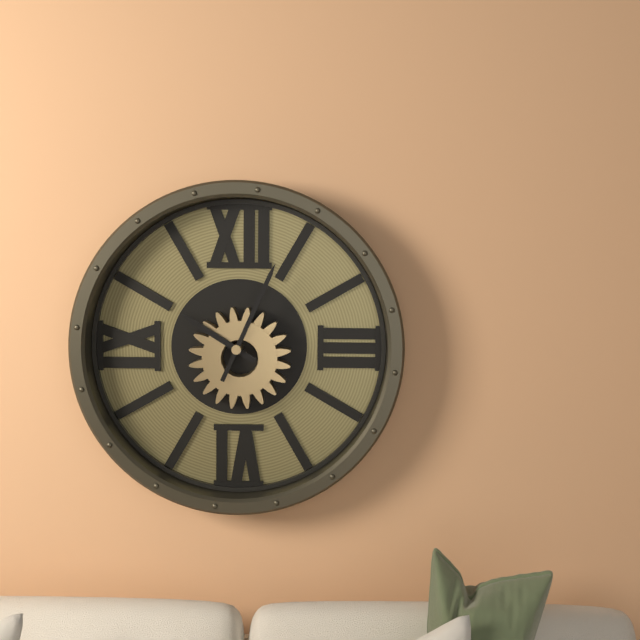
10:04
